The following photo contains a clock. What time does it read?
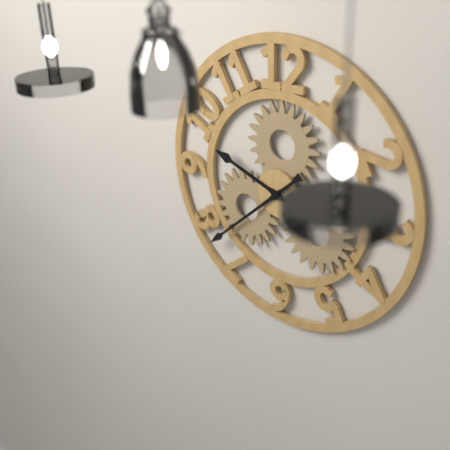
9:38
